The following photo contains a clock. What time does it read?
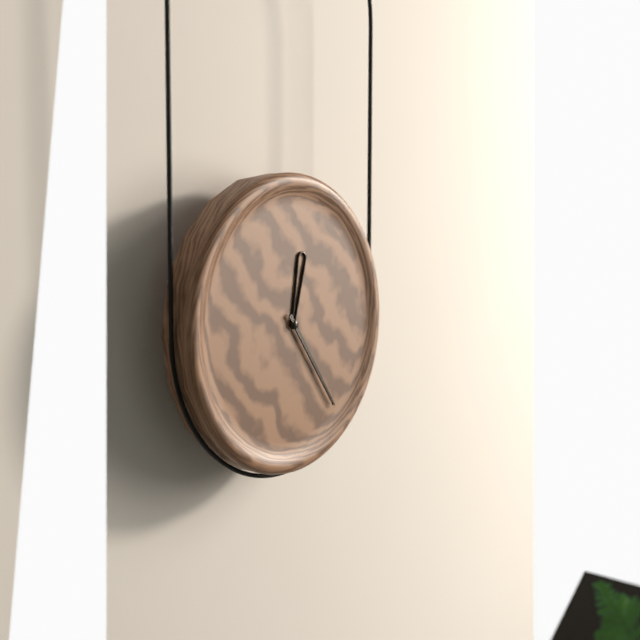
12:24
